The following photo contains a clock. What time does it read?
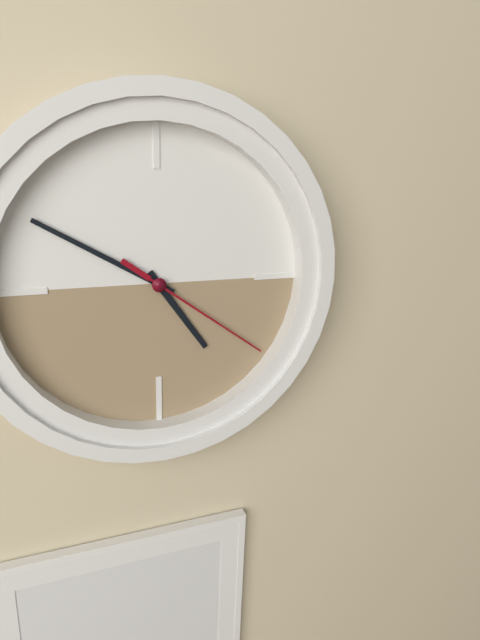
4:50:21
